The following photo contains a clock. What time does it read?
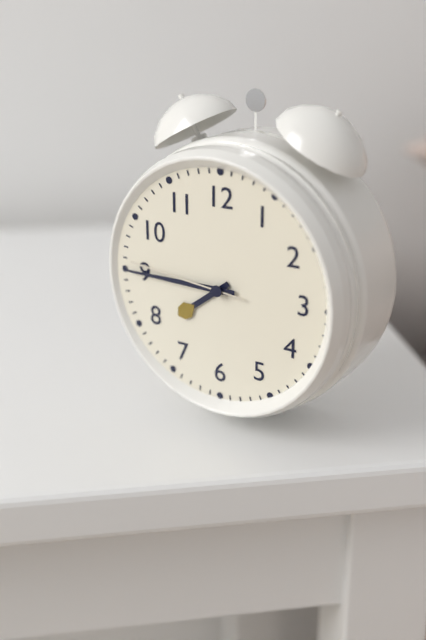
7:45:46
